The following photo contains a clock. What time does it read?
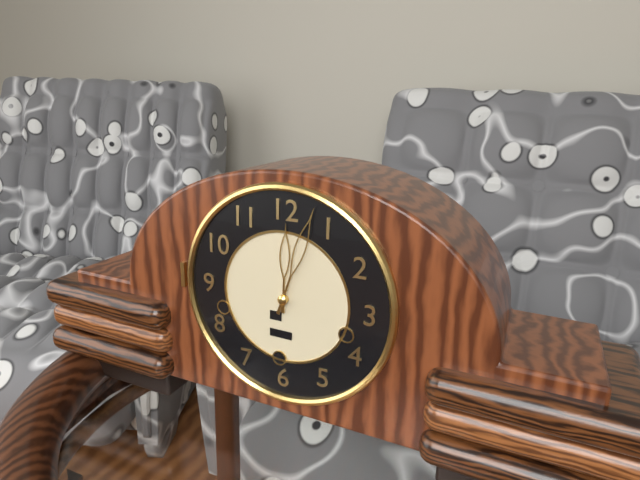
12:03
